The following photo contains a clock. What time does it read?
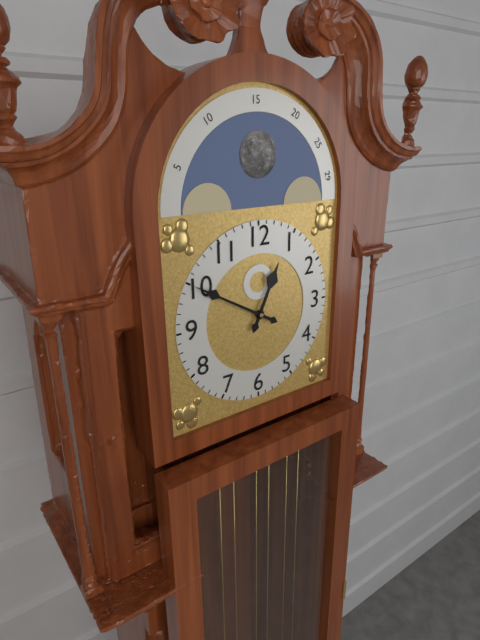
12:50
